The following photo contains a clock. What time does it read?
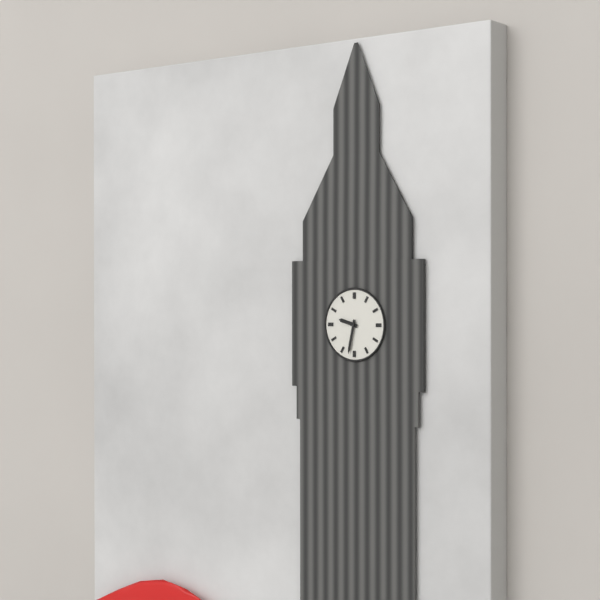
9:32
